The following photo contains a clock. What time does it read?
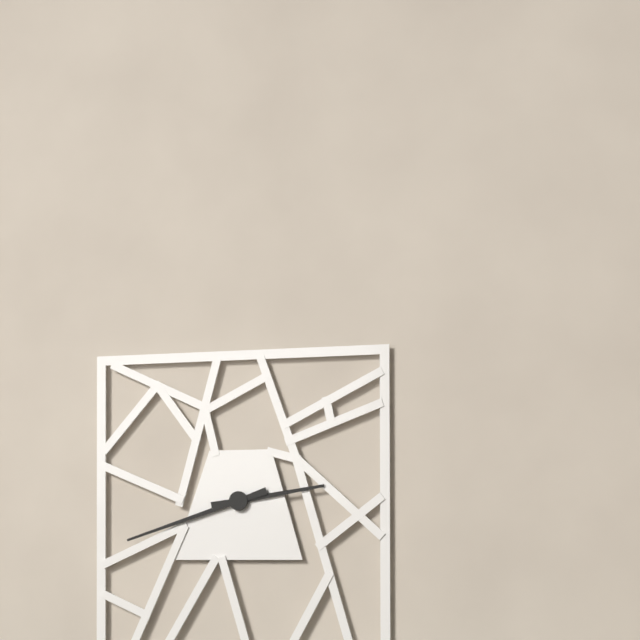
2:42
